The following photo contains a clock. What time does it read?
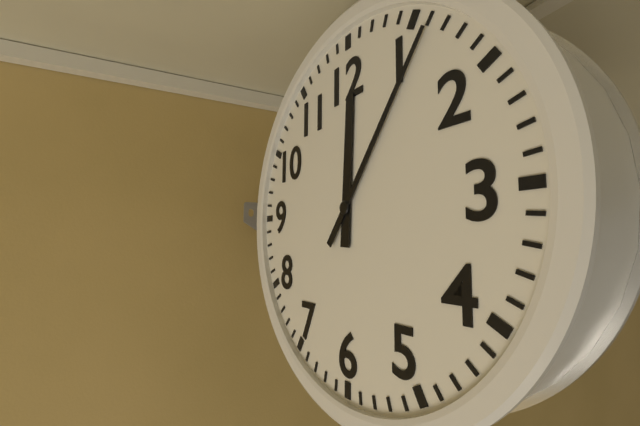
12:06
